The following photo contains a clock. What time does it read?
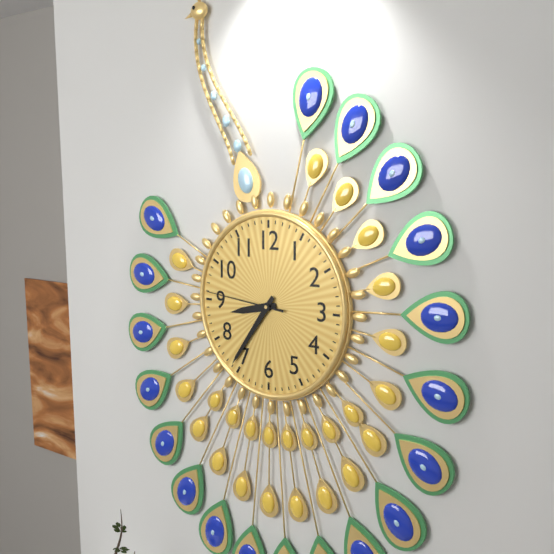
8:36:46
